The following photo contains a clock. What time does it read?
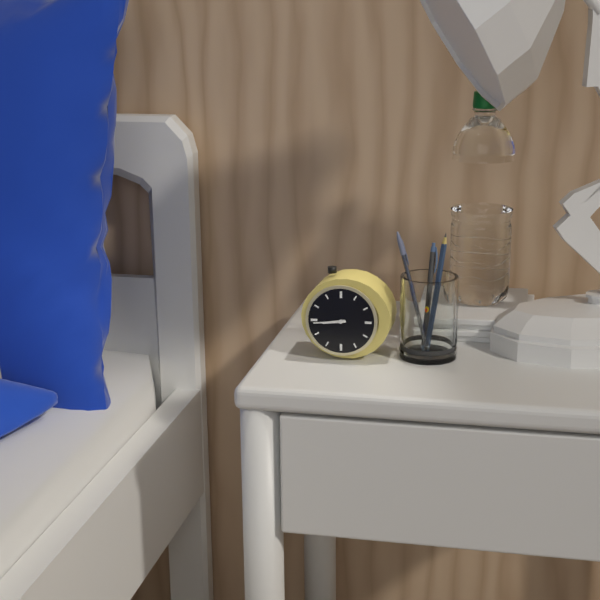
8:44
